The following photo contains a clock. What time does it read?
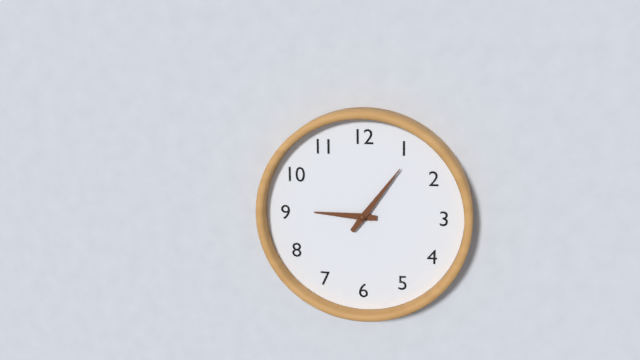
9:06
